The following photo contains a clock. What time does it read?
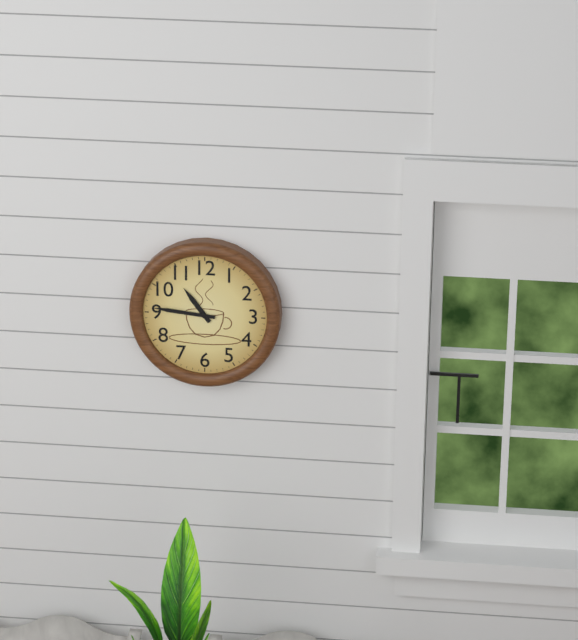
10:46
